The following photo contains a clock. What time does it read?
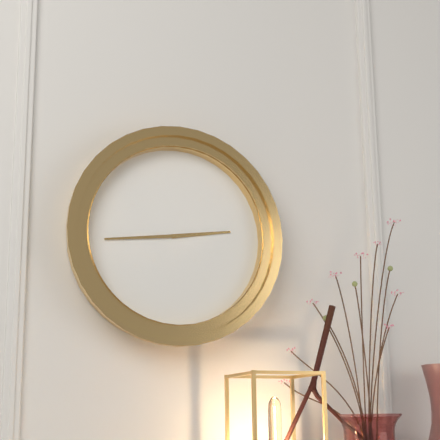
2:44
